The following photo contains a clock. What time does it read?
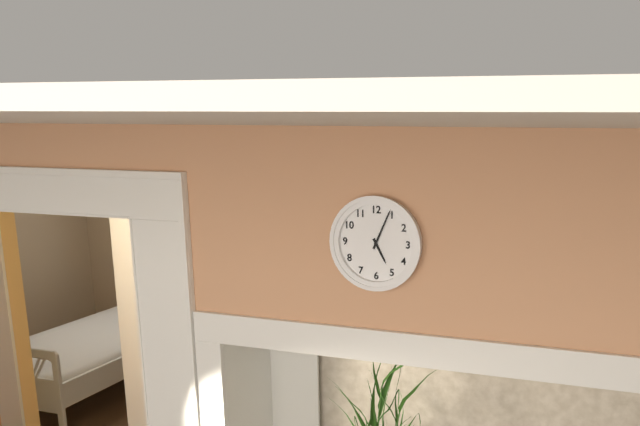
5:04
